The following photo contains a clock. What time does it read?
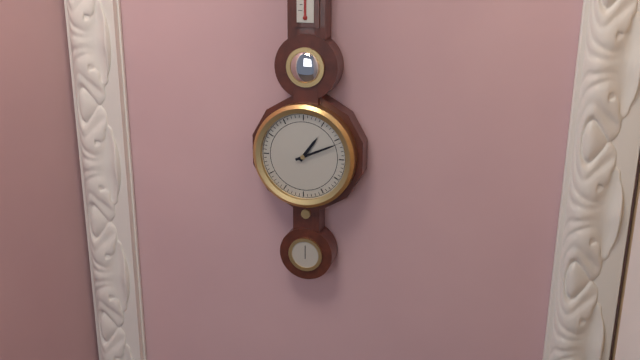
1:11
